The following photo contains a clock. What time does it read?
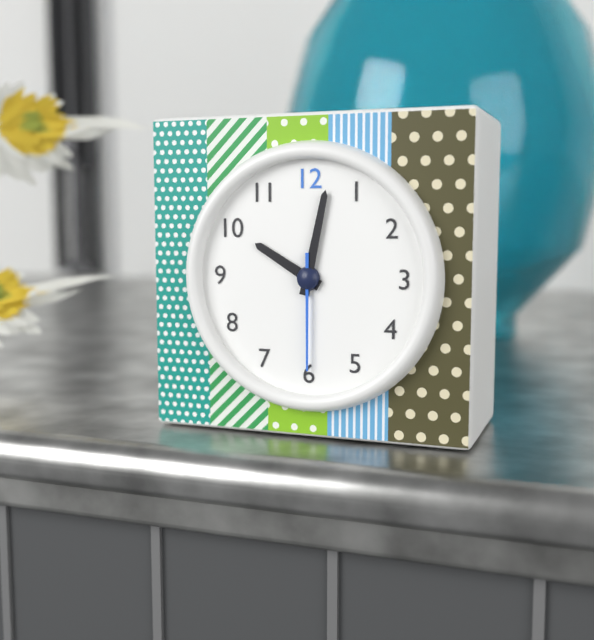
10:02:30
